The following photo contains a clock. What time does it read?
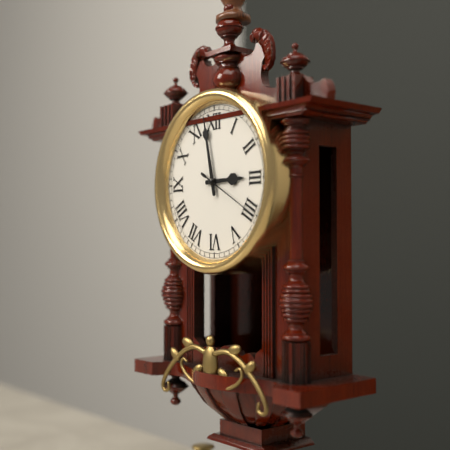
2:58:20
